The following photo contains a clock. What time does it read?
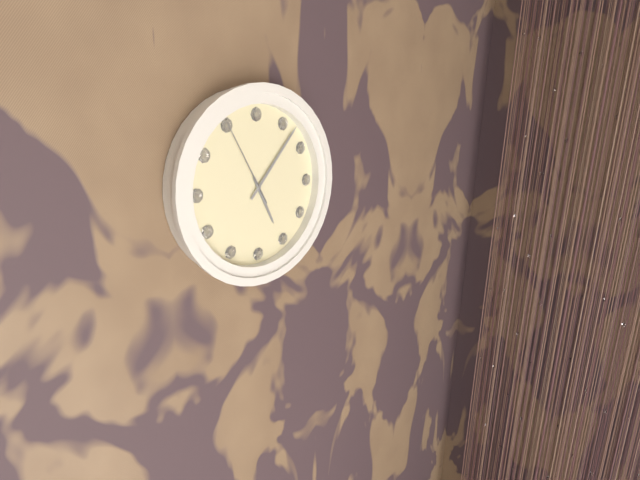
5:07:55
